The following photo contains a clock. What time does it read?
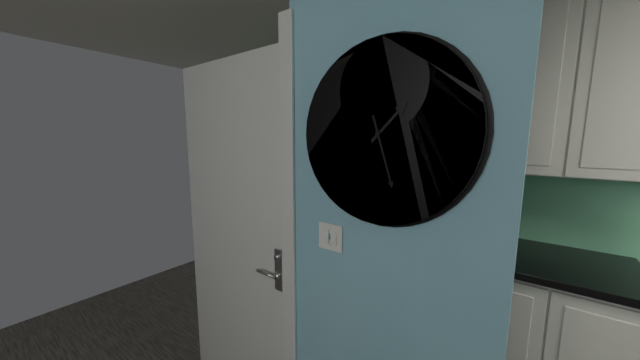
1:27
